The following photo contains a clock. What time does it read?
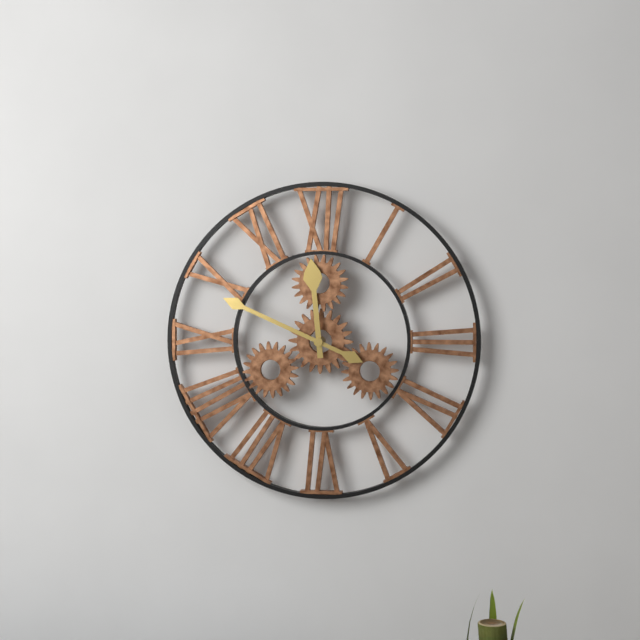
11:49
